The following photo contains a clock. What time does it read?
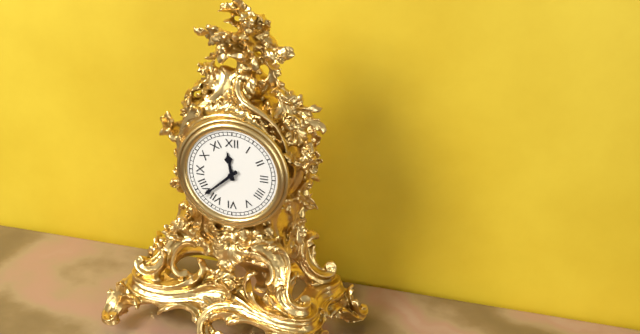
11:38
